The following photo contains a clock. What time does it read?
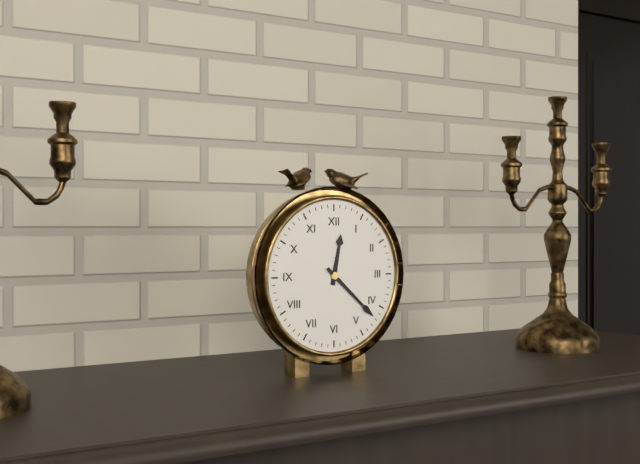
12:22
